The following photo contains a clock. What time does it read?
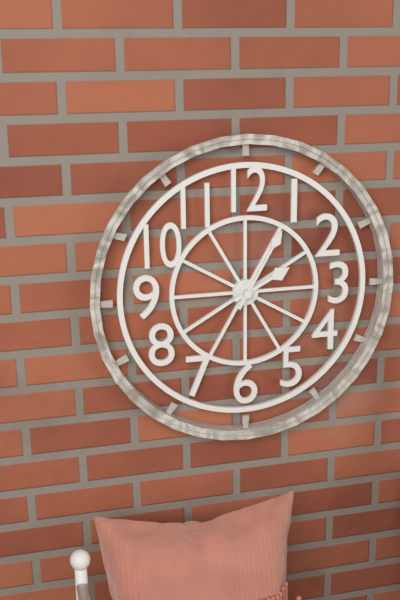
2:05
